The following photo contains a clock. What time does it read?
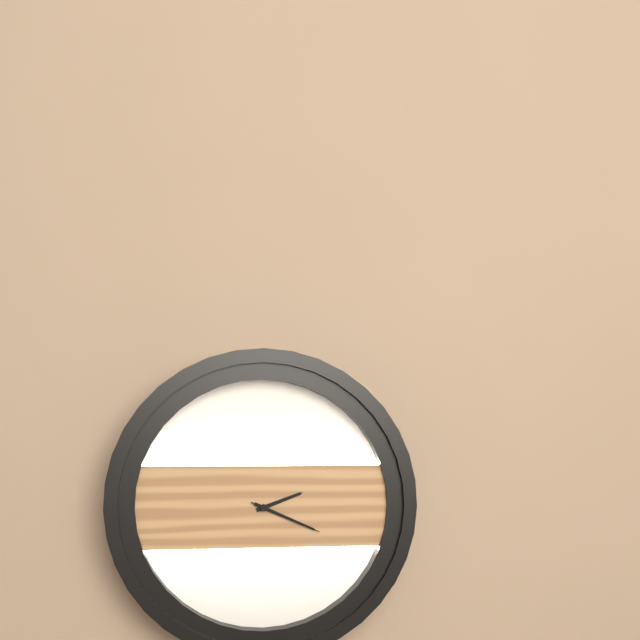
2:19:19
